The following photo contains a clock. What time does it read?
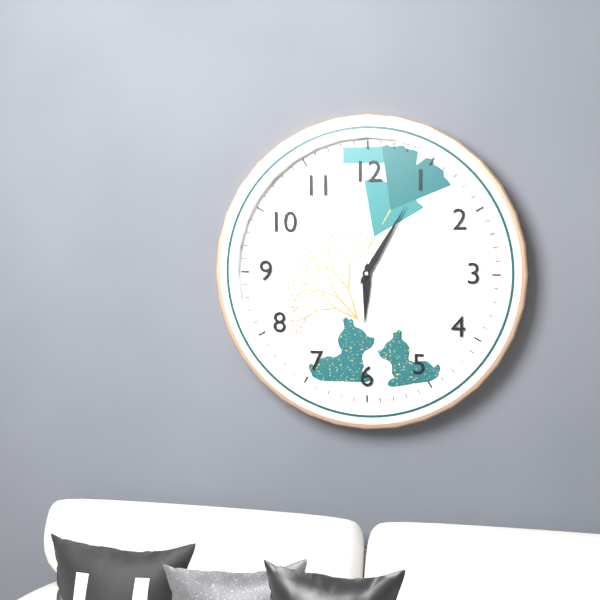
6:05
